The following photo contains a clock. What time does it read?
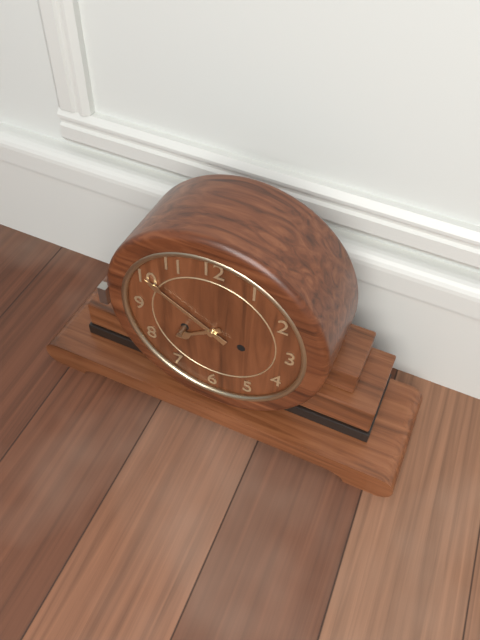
7:50
